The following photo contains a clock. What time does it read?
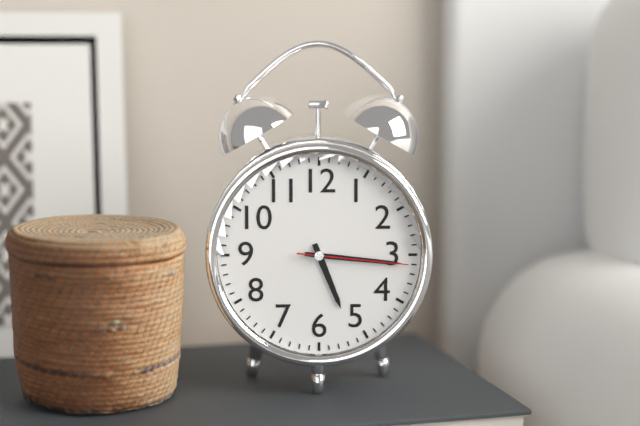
5:16:16
